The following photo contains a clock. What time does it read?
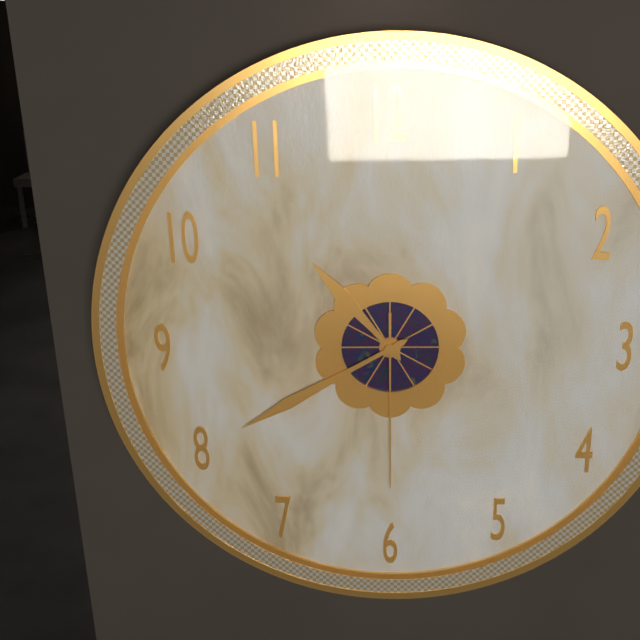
10:40:30
